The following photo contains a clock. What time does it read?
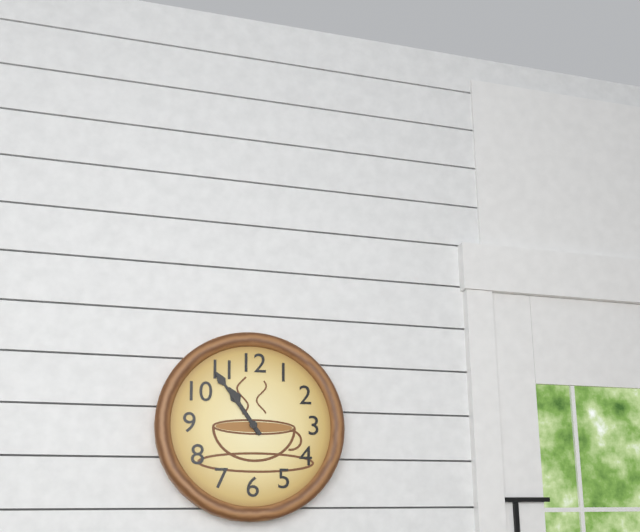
10:54
